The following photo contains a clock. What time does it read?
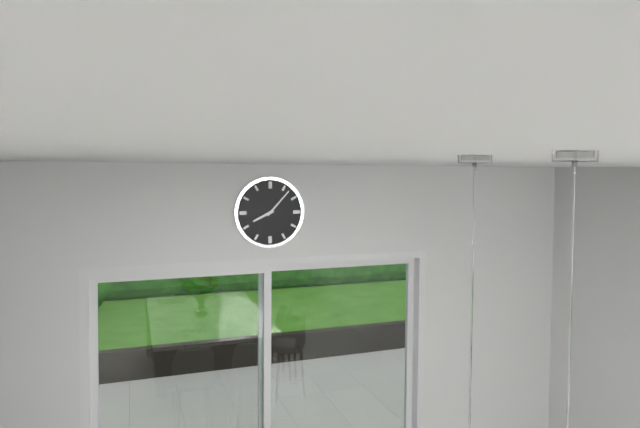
8:07
